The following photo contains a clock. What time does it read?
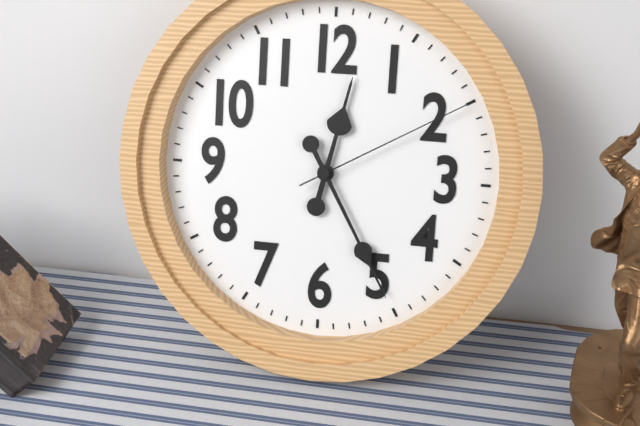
12:25:10
